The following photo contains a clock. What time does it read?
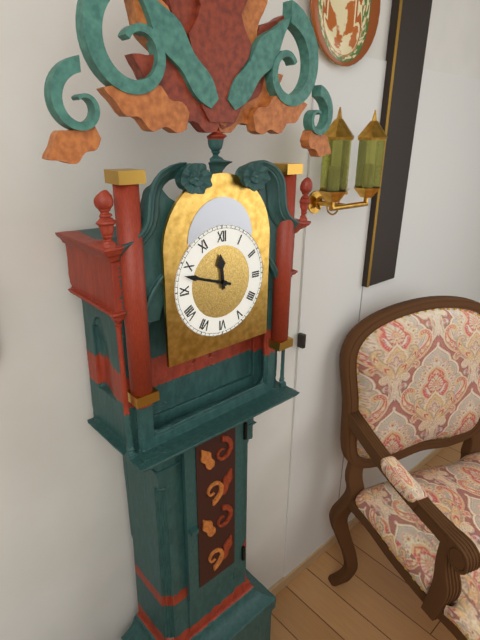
11:48
